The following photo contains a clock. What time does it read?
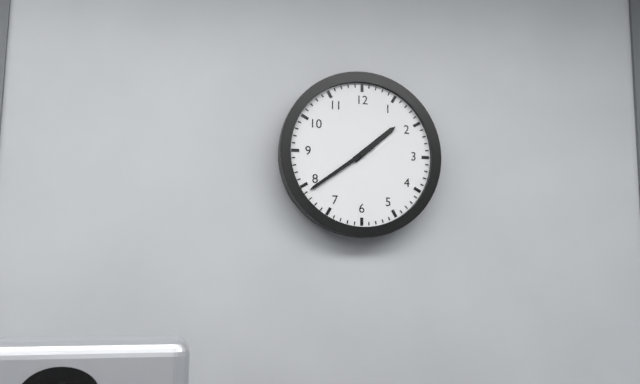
1:39
